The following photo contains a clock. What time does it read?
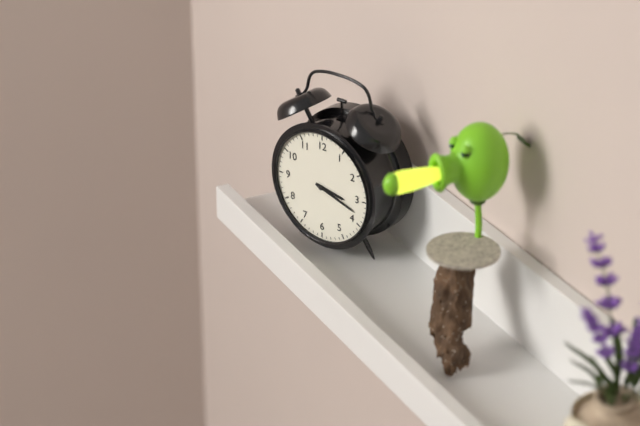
3:18
